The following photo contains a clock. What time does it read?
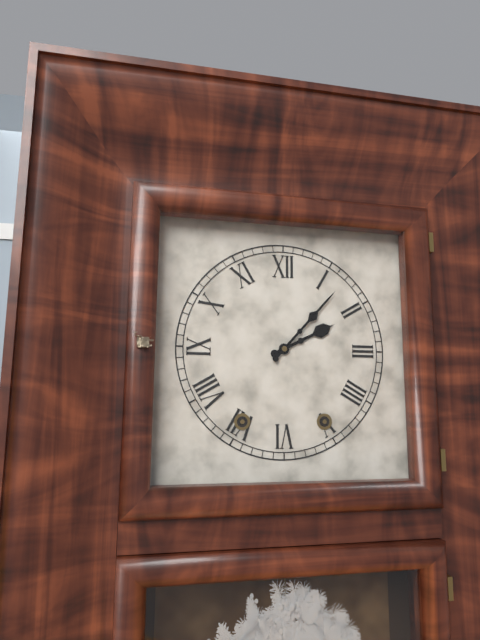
2:07
